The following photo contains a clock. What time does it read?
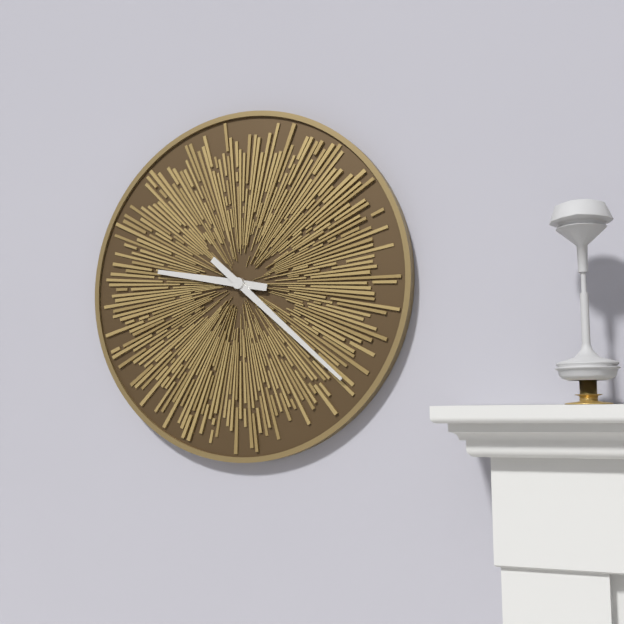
9:22
